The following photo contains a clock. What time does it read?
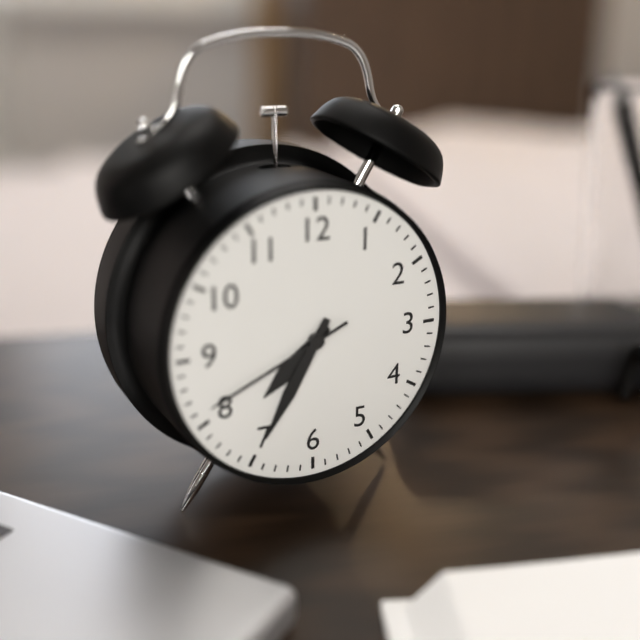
7:35:41
